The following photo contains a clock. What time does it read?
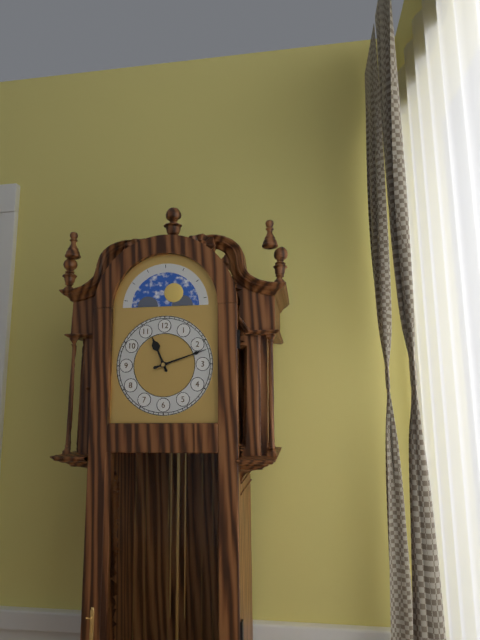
11:12
